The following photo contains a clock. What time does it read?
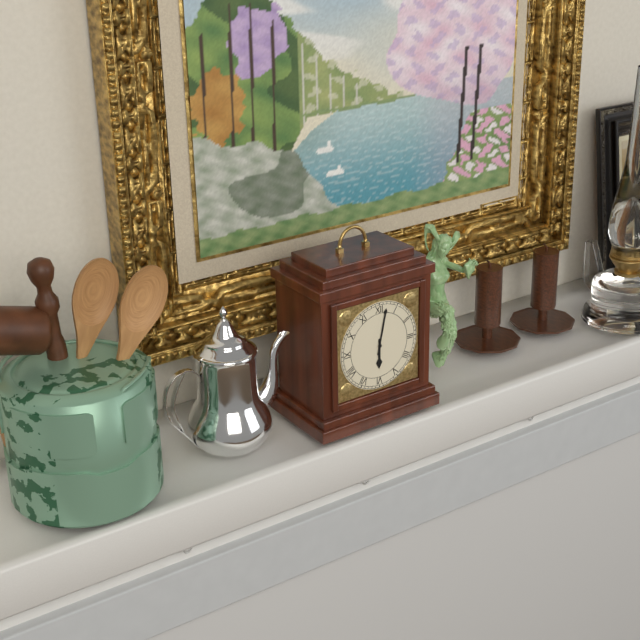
6:02
